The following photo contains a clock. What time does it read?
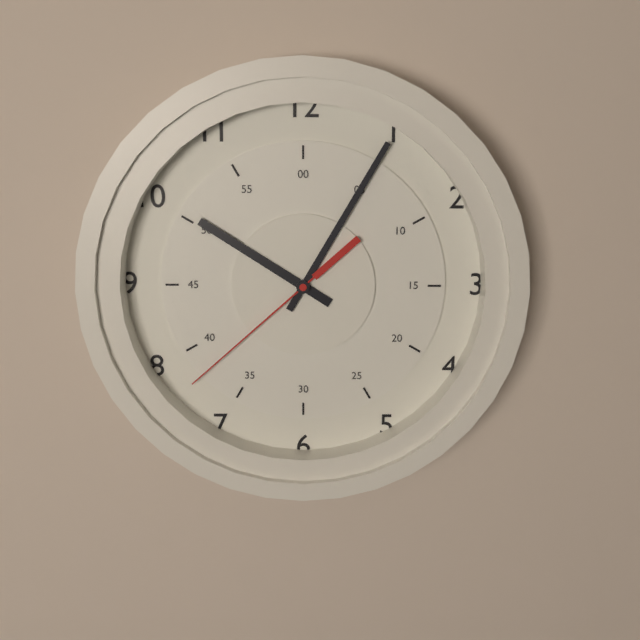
10:05:38
